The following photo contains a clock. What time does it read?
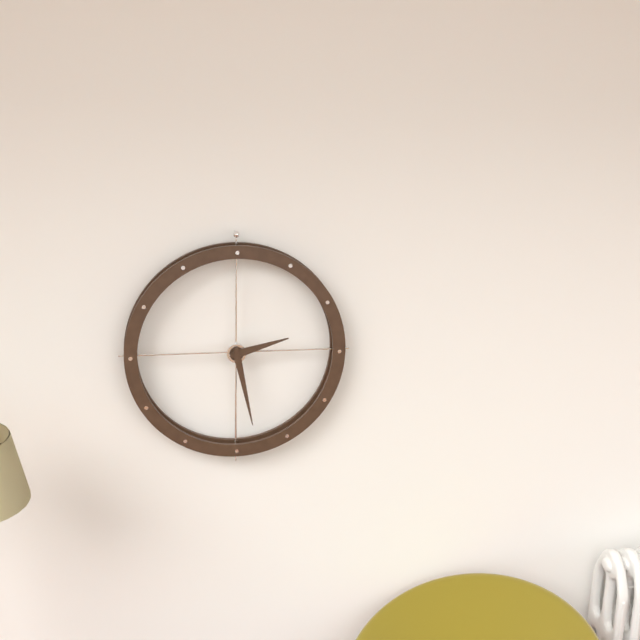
2:28
